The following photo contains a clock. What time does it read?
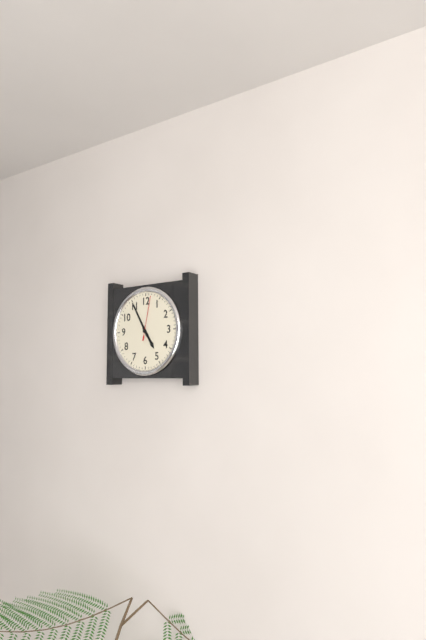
4:55
